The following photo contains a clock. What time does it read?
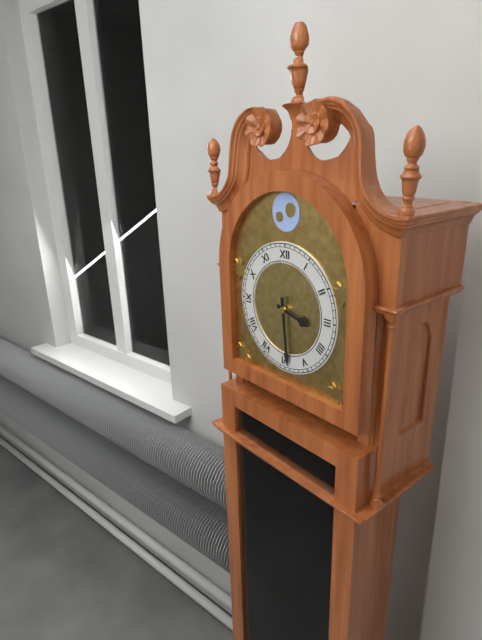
3:29
